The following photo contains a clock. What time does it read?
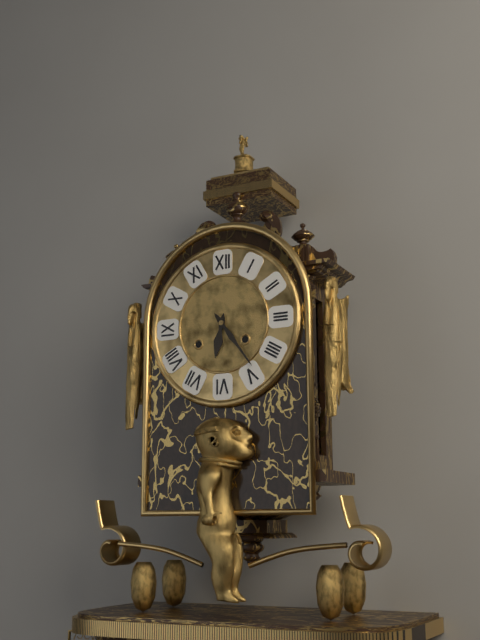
6:24
